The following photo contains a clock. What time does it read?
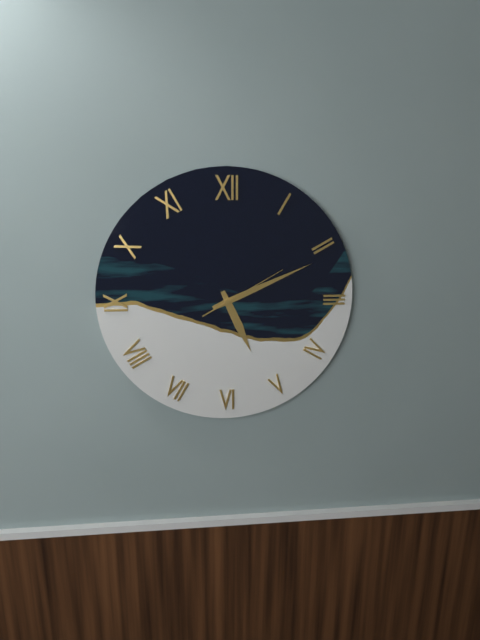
5:11:10
